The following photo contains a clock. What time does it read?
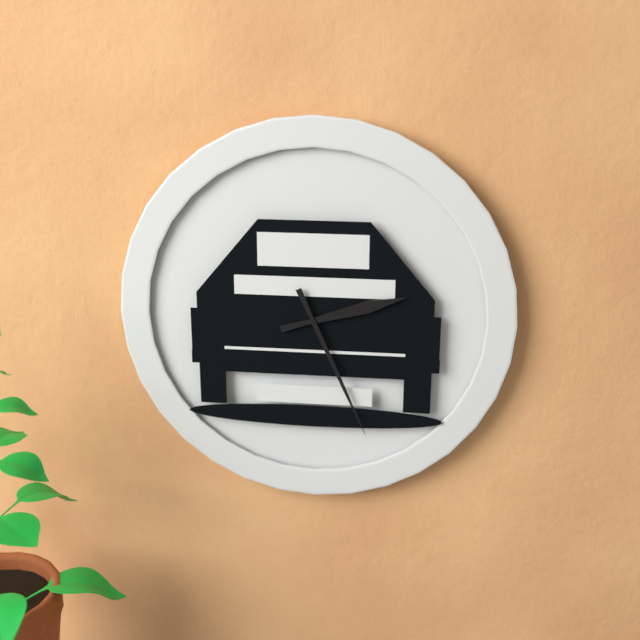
2:26
